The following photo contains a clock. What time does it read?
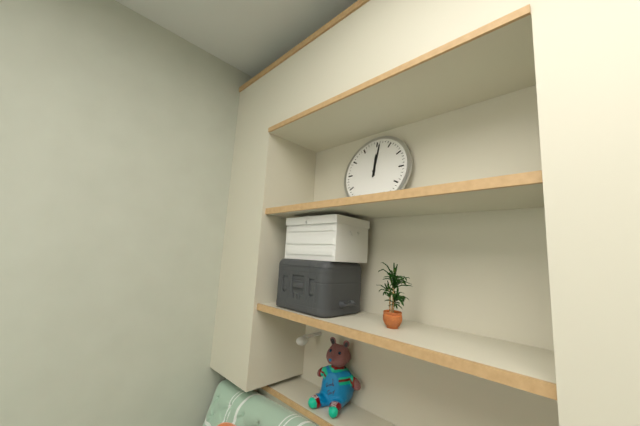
12:01
